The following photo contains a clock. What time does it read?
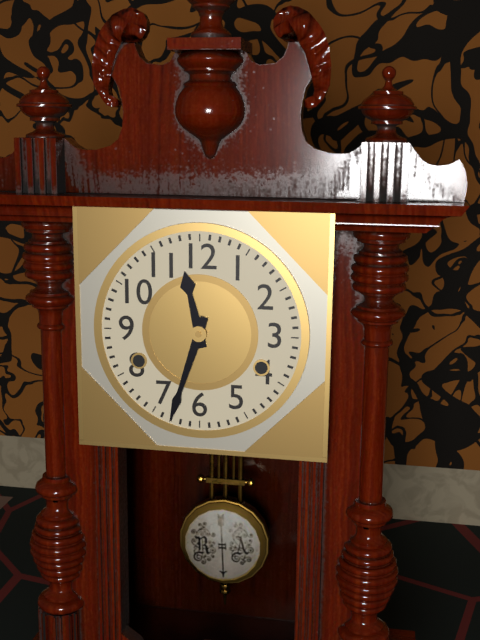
11:33
